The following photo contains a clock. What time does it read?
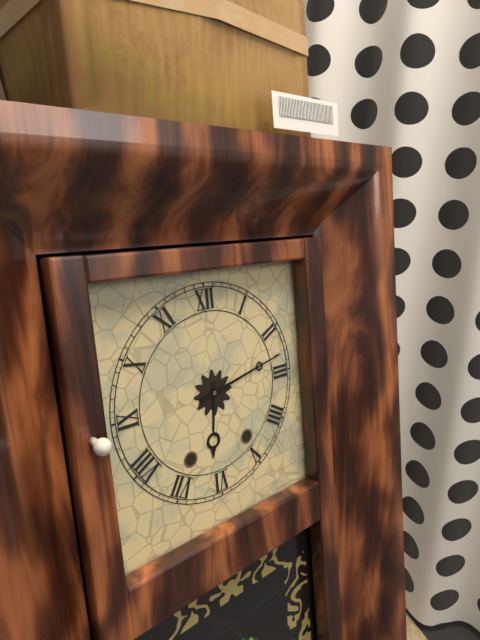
6:13
